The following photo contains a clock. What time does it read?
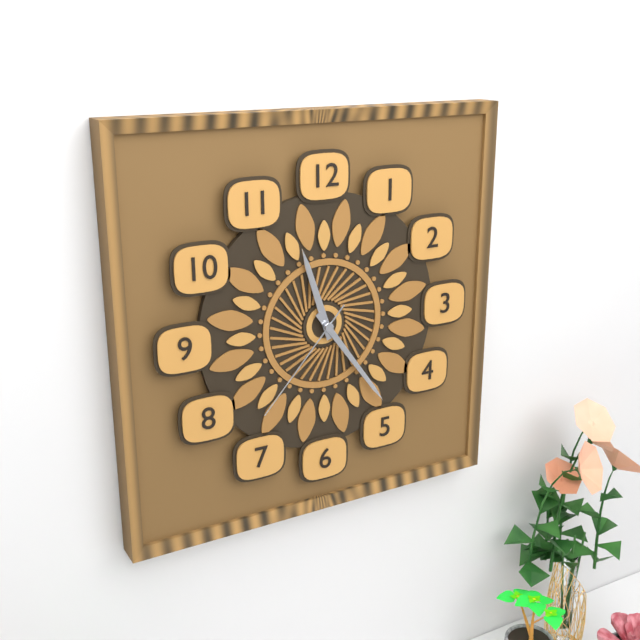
11:24:37
